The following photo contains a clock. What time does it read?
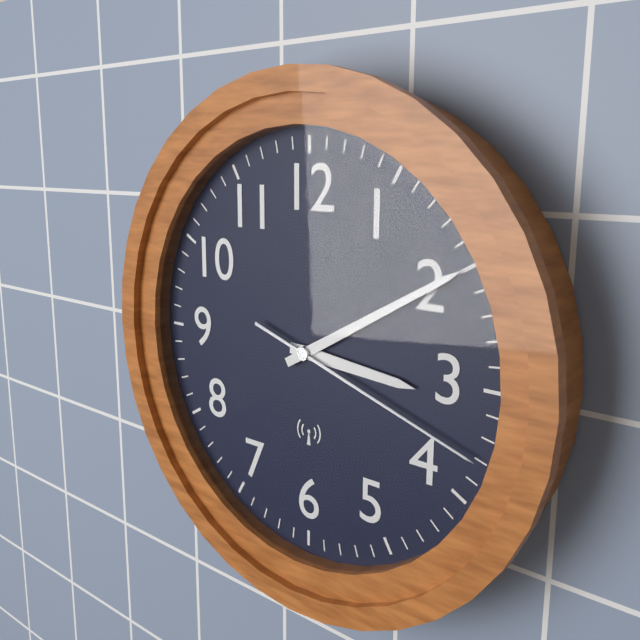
3:10:18
